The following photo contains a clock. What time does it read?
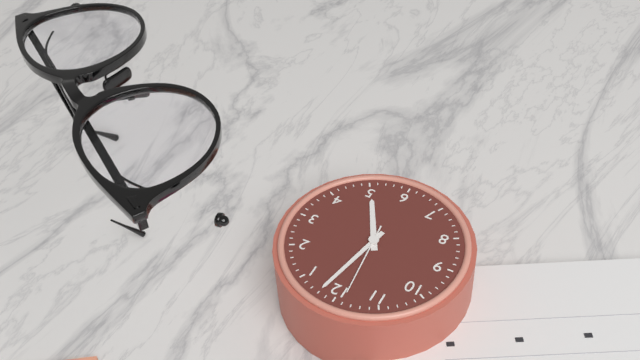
5:02:59
